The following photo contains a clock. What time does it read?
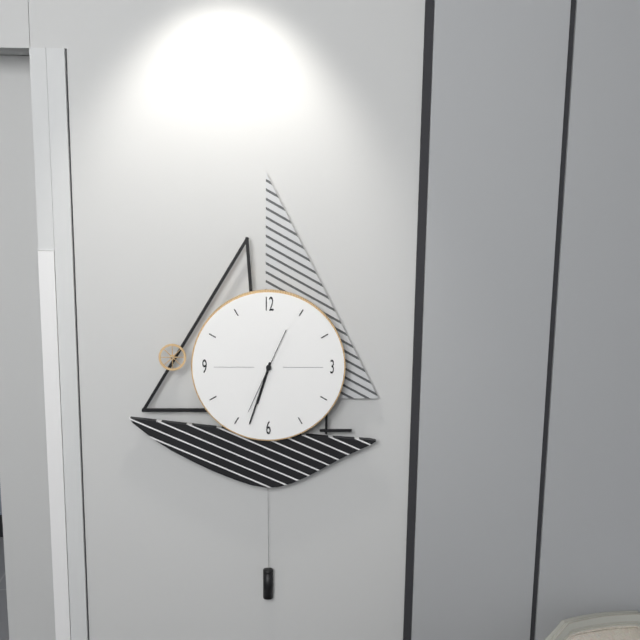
6:33:34
